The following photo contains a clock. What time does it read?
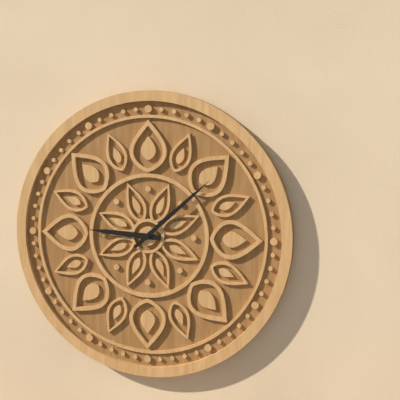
9:08
